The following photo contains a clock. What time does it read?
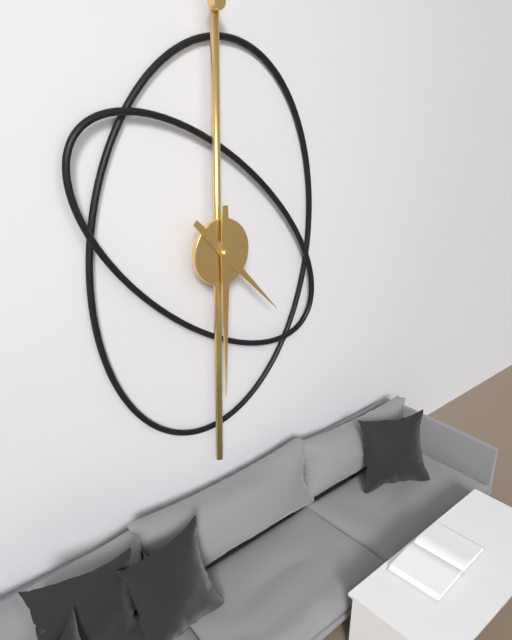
4:30
